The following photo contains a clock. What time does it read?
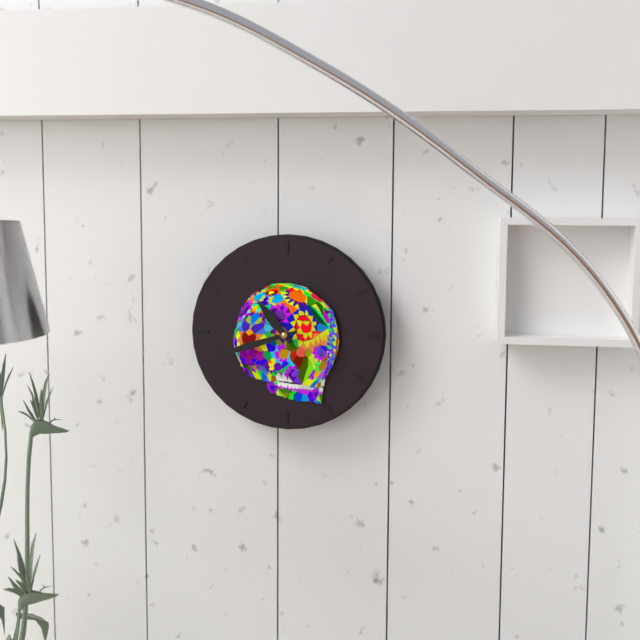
10:42
